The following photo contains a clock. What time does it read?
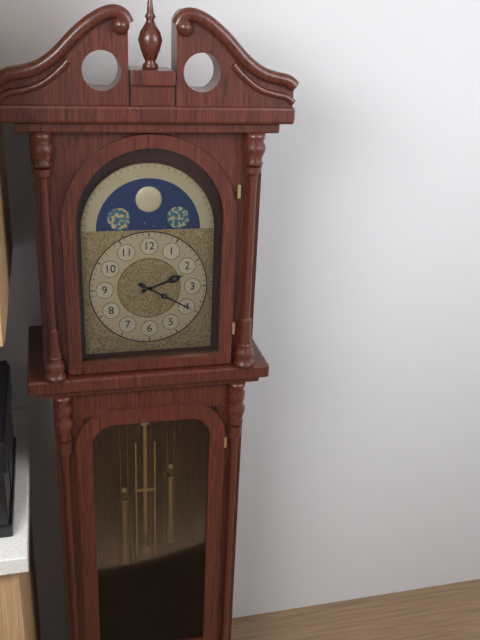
2:20
